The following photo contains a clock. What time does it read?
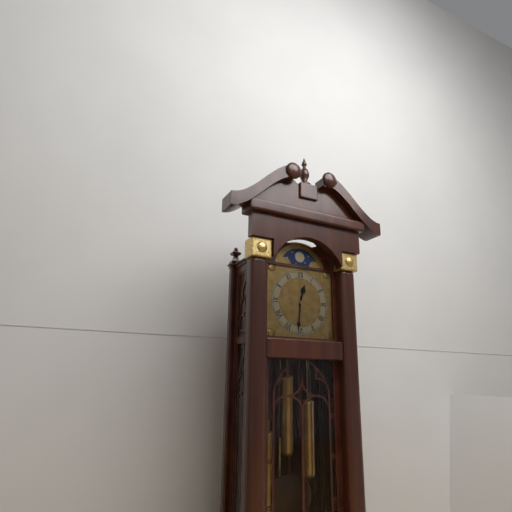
12:31
